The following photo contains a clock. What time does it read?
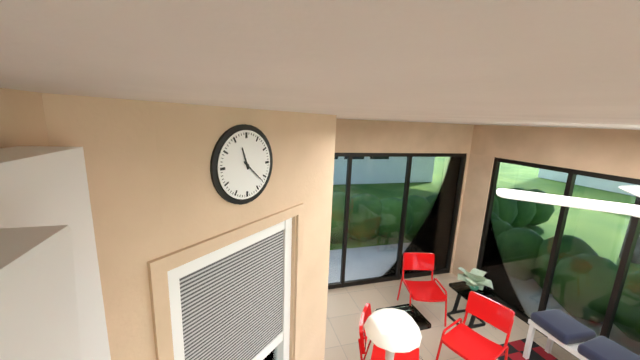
11:22
